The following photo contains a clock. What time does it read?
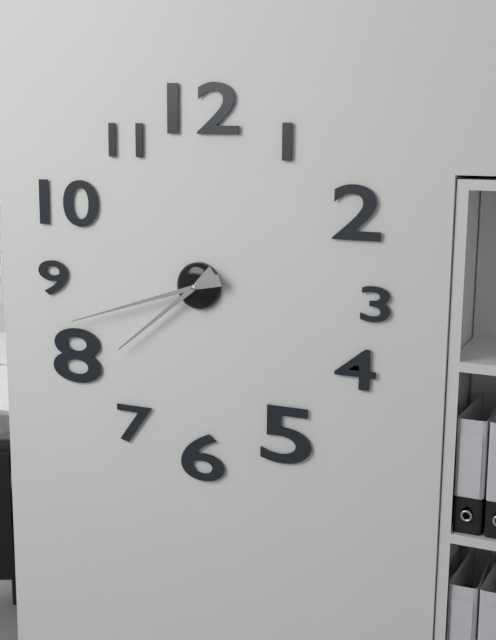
7:42
